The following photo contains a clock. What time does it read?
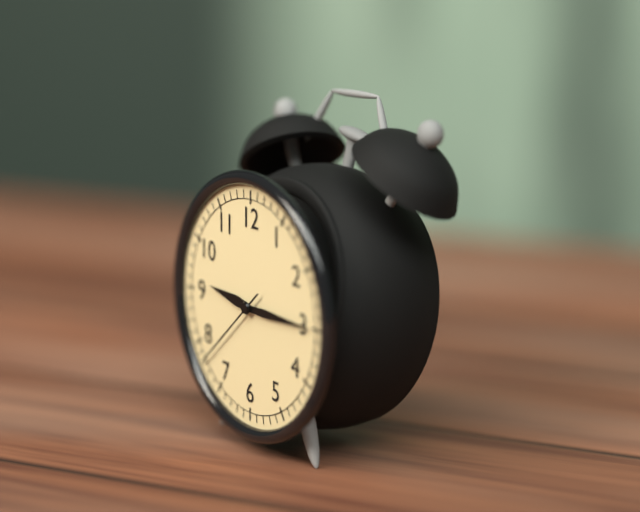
9:15:38
